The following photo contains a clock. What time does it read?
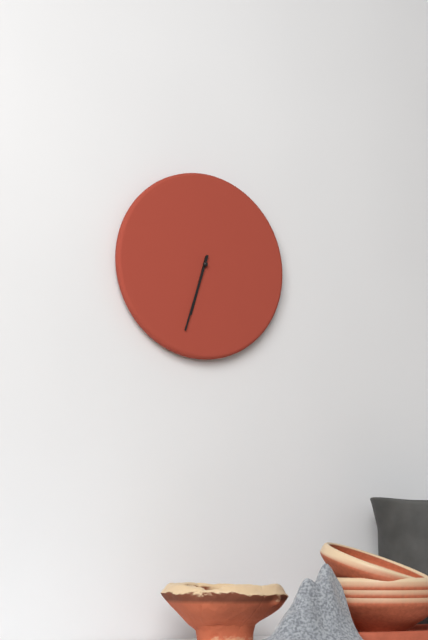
6:33
